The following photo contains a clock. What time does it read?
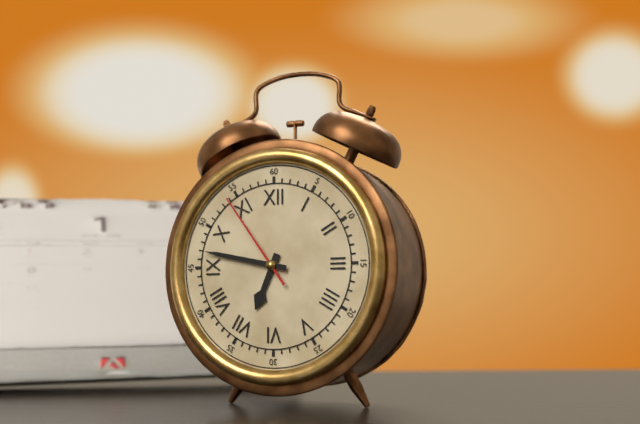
6:47:54
